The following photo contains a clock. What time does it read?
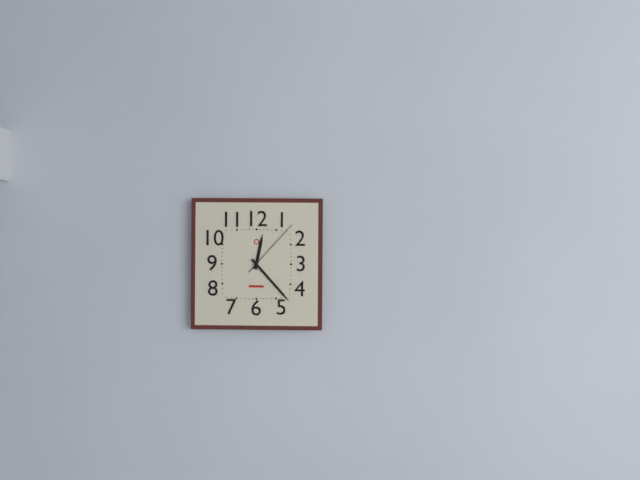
12:23:07
